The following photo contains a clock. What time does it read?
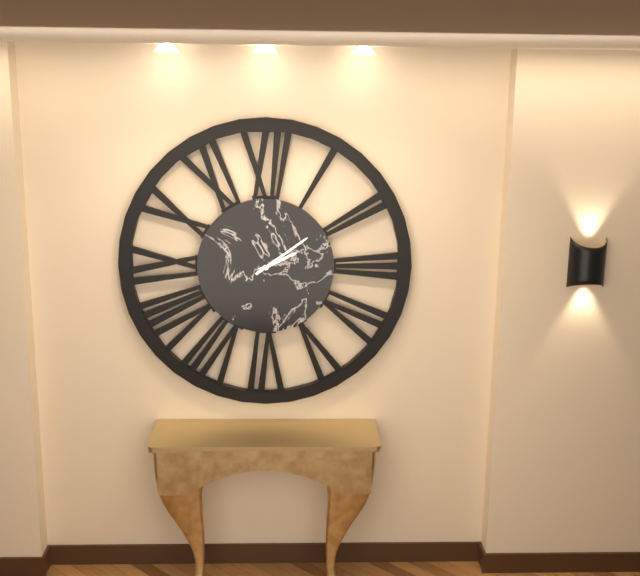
2:09
